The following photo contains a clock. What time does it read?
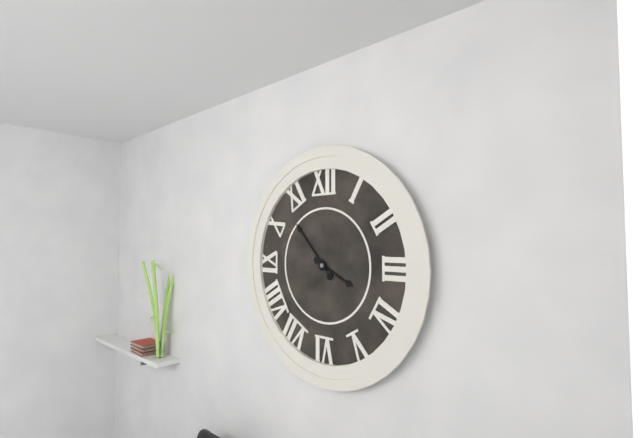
3:53
